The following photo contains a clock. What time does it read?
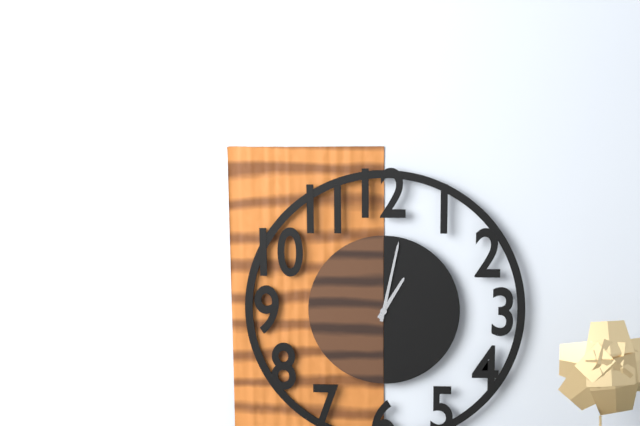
1:02
